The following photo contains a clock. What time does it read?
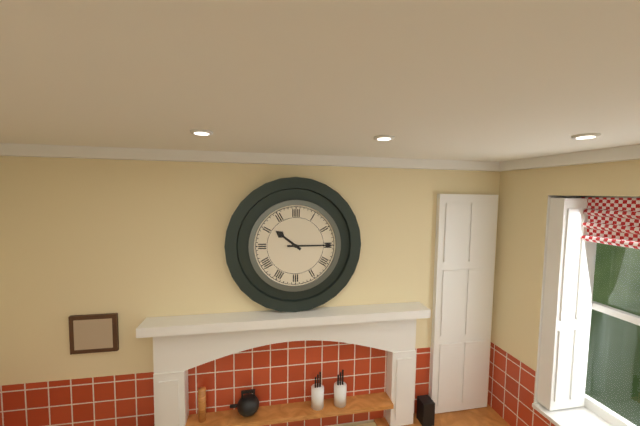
10:15
